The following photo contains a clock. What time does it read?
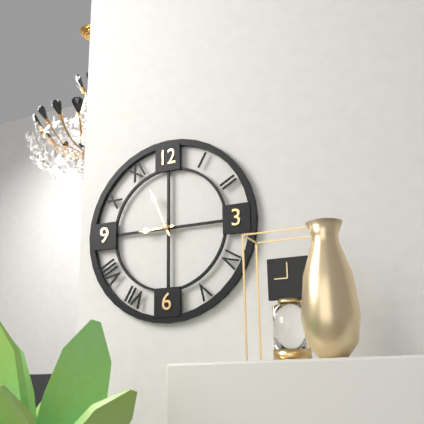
8:56
